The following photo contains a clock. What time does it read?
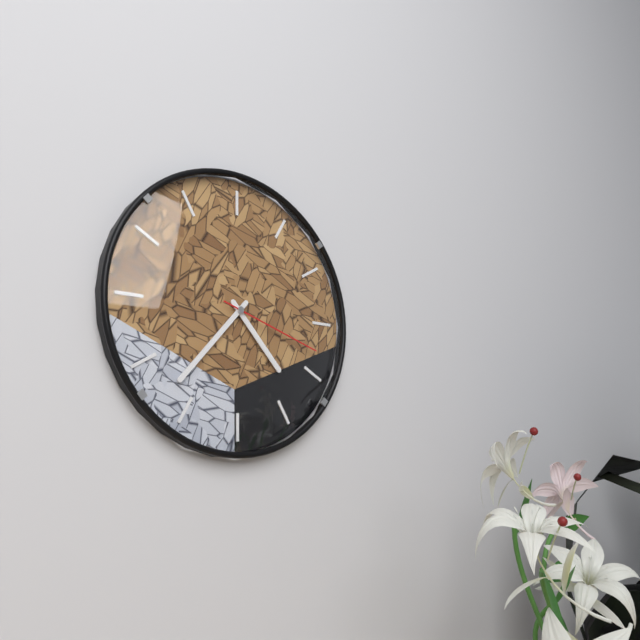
4:37:18
